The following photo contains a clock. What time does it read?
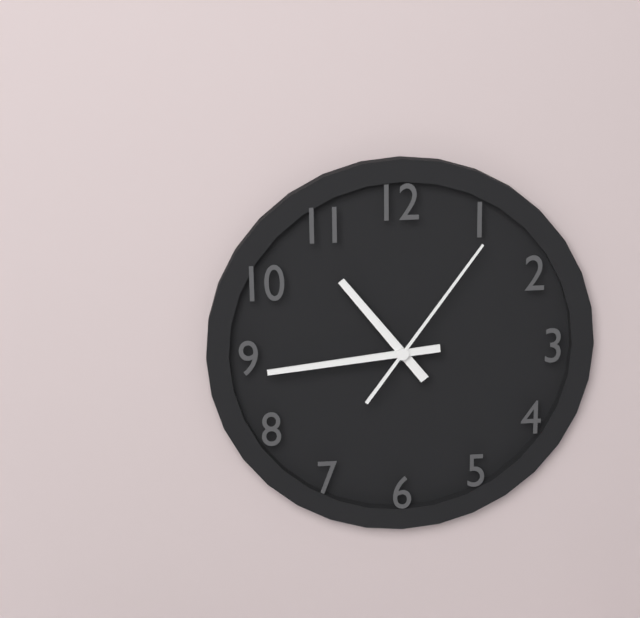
10:44:06
